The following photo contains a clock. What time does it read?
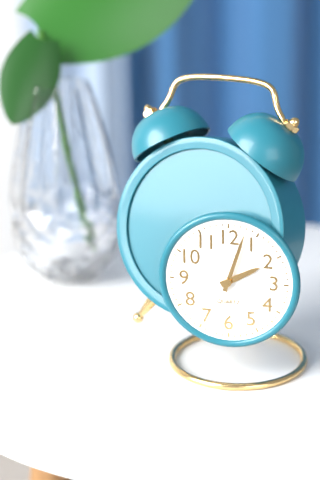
2:03
